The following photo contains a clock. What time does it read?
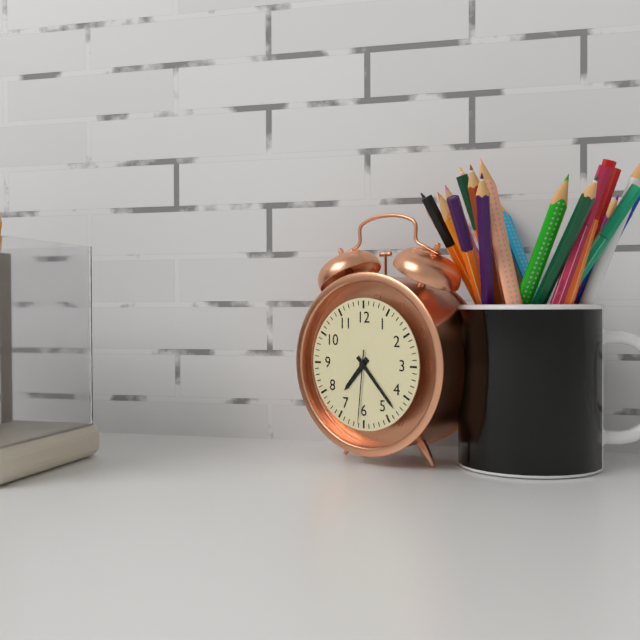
7:23:31
